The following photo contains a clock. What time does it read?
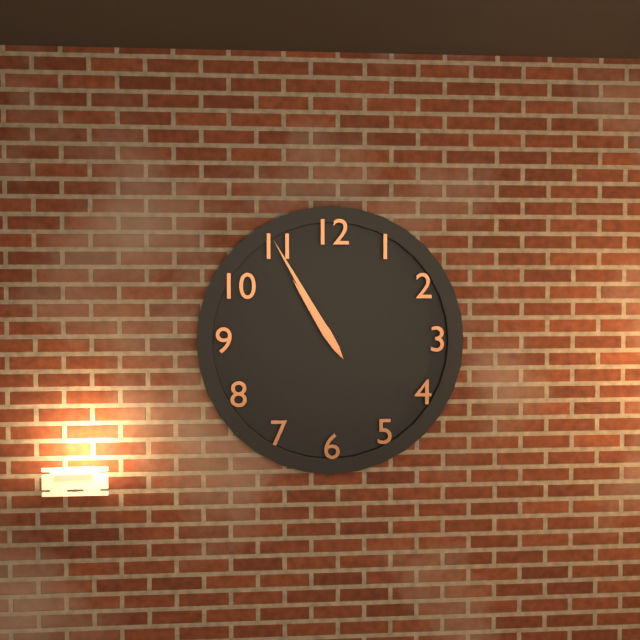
10:55
